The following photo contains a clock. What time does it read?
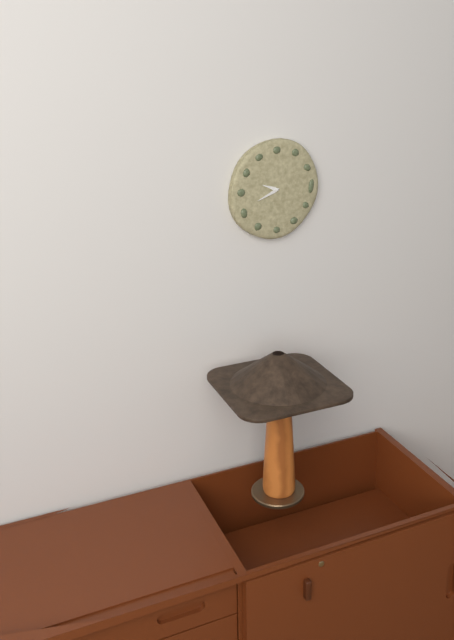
9:41
